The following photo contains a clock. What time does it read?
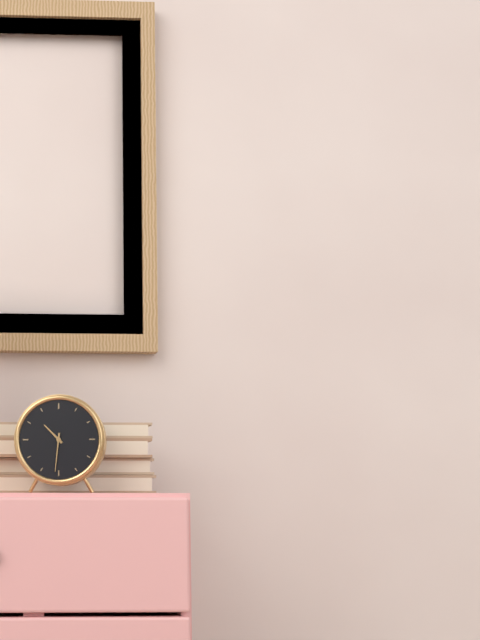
10:31
